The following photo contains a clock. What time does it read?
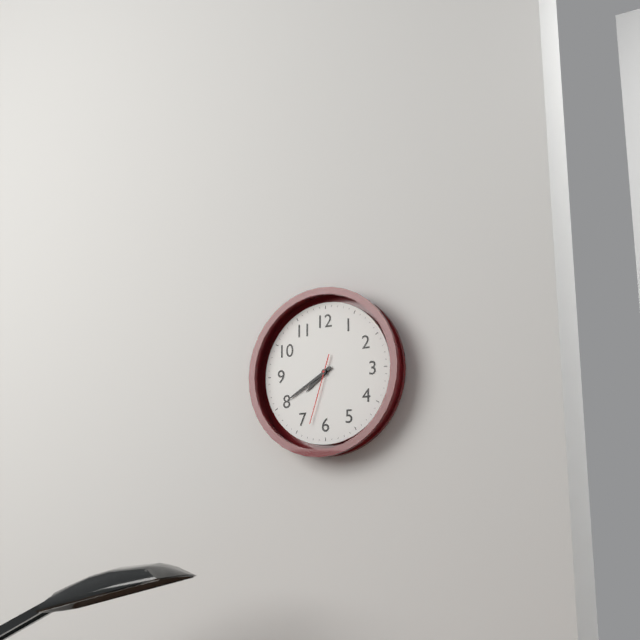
7:40:33
